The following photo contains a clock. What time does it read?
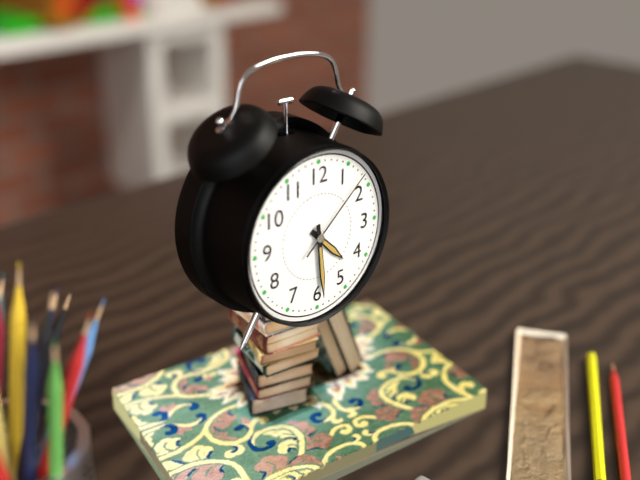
4:29:08
